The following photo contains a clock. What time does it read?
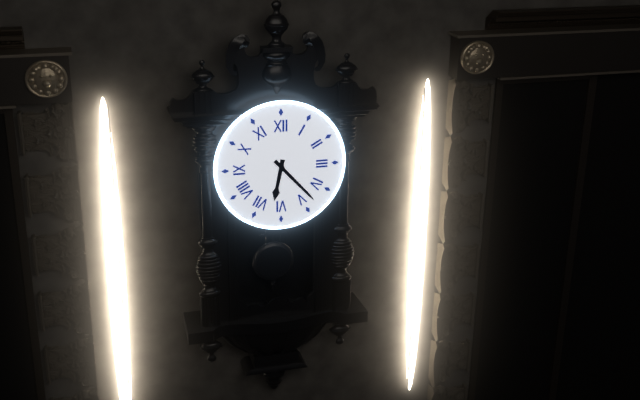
6:23
